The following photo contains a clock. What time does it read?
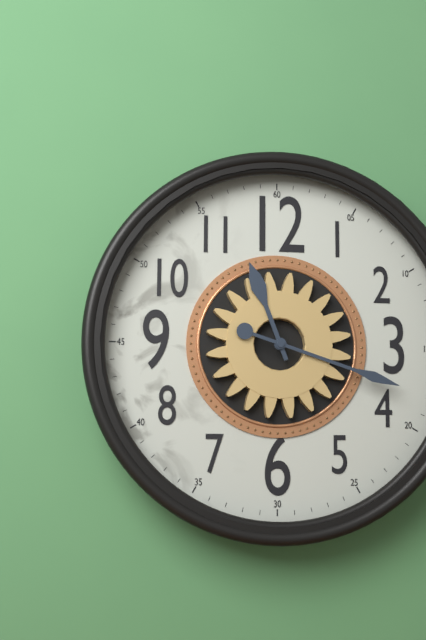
11:18
